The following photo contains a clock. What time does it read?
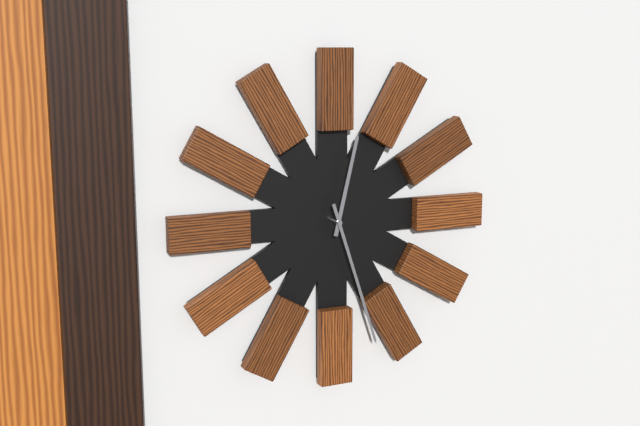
12:27
